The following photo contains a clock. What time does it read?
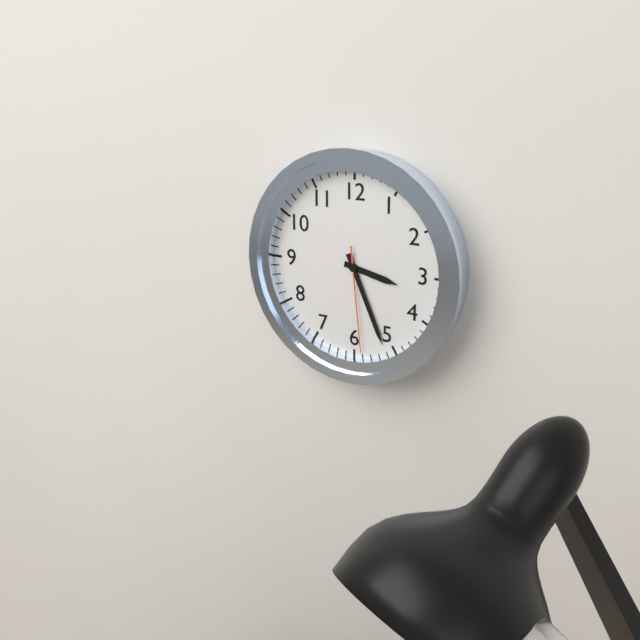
3:26:29
